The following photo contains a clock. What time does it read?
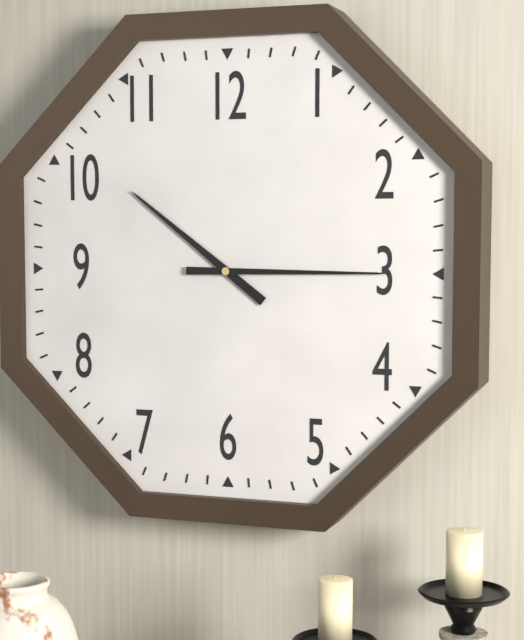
10:15
